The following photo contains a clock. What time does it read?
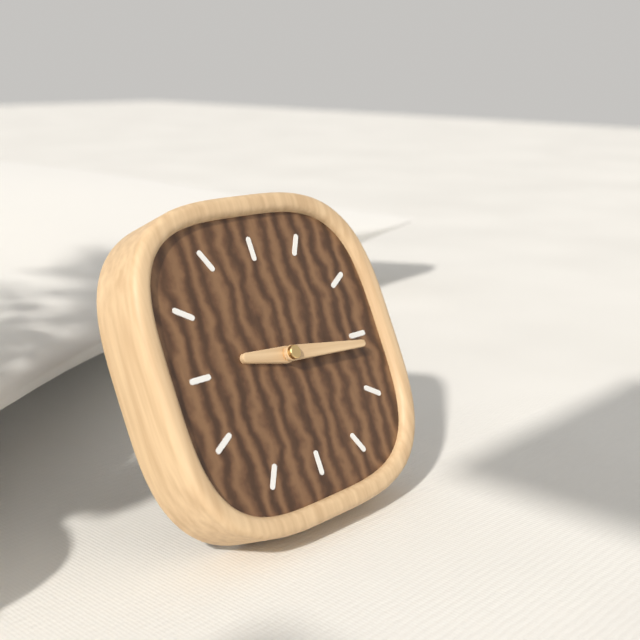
9:16
